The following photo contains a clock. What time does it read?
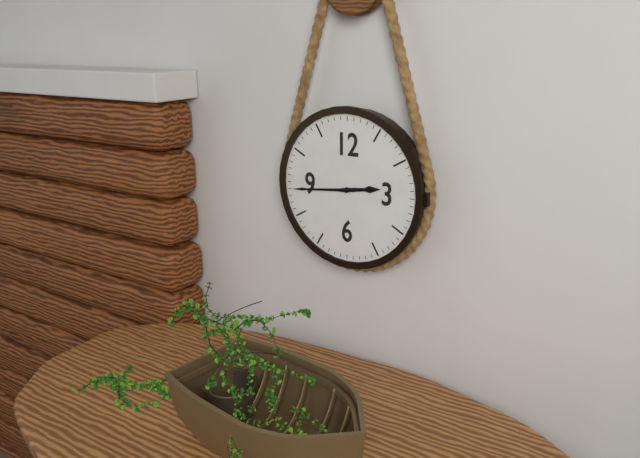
2:44
